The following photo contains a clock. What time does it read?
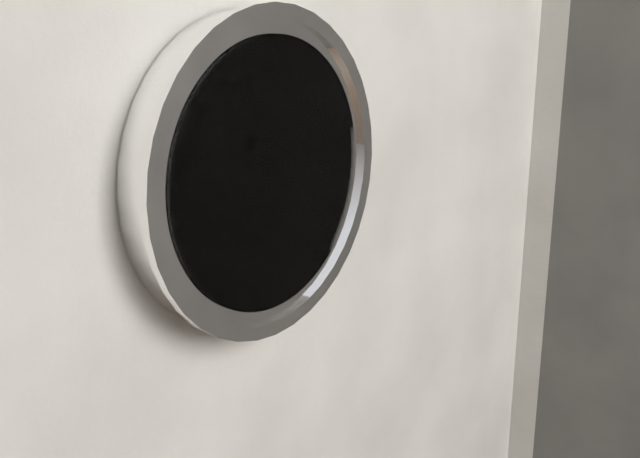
1:55
